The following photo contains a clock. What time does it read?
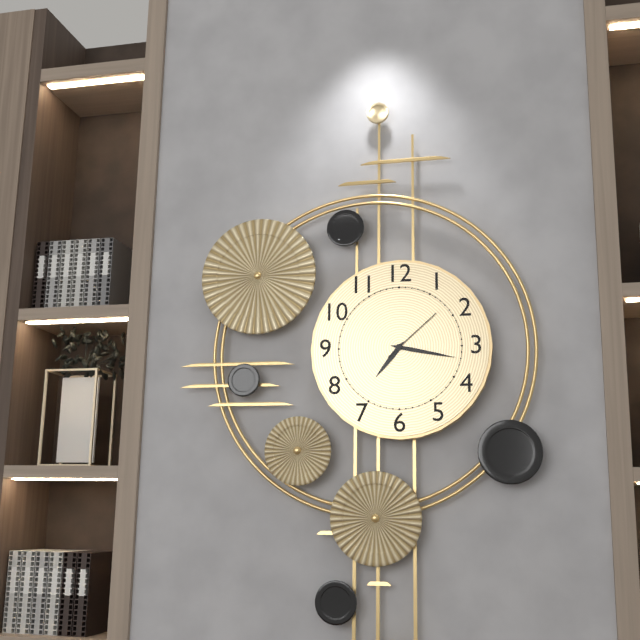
7:17:08
